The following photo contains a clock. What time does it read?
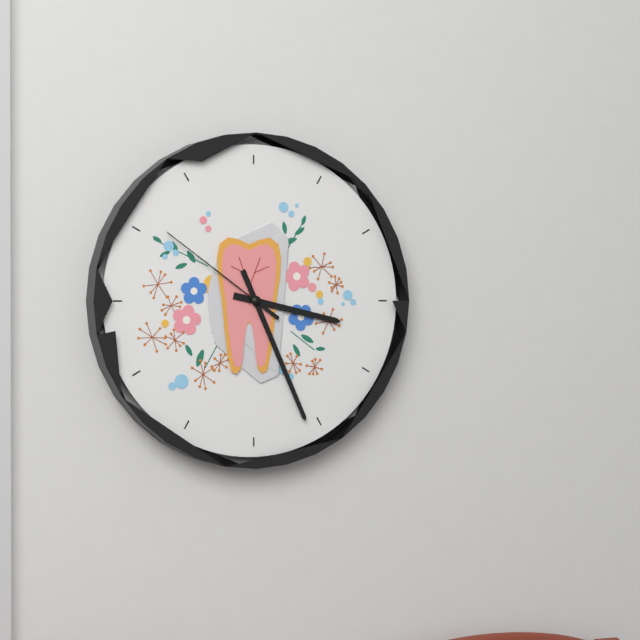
3:26:51
